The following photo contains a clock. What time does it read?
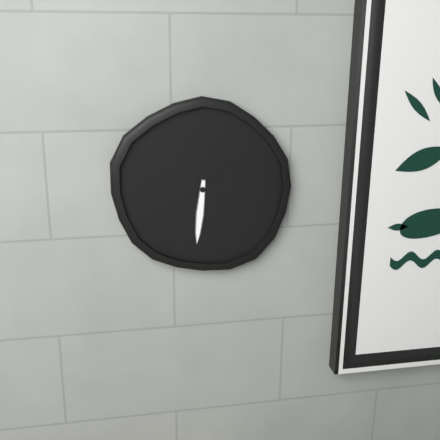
1:31
